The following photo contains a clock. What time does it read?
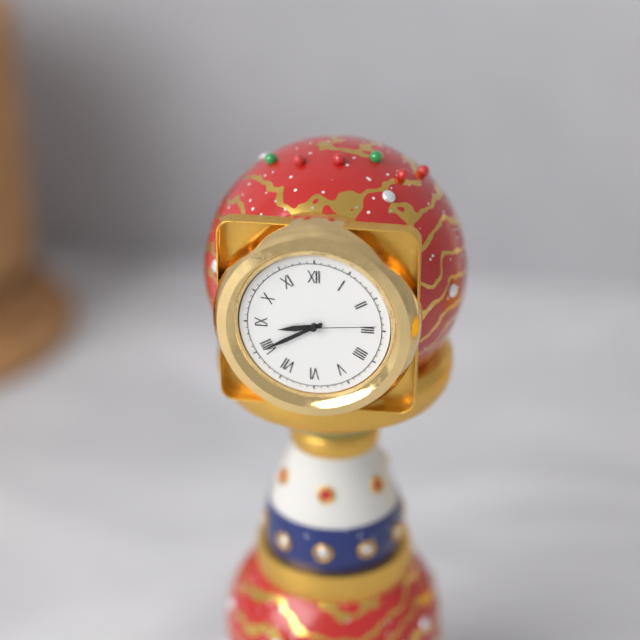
8:40:14
